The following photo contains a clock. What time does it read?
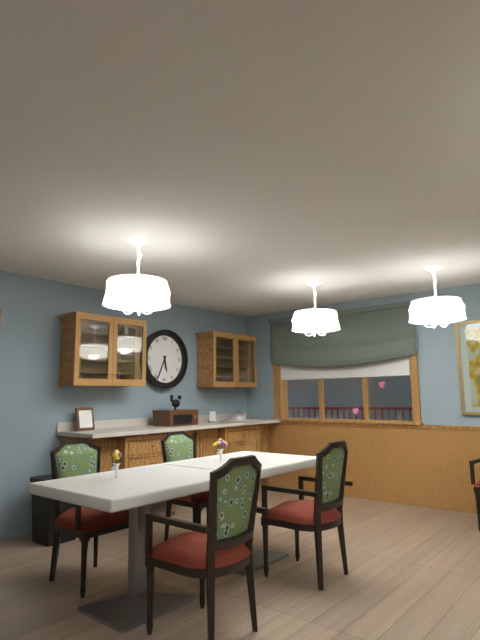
5:34
